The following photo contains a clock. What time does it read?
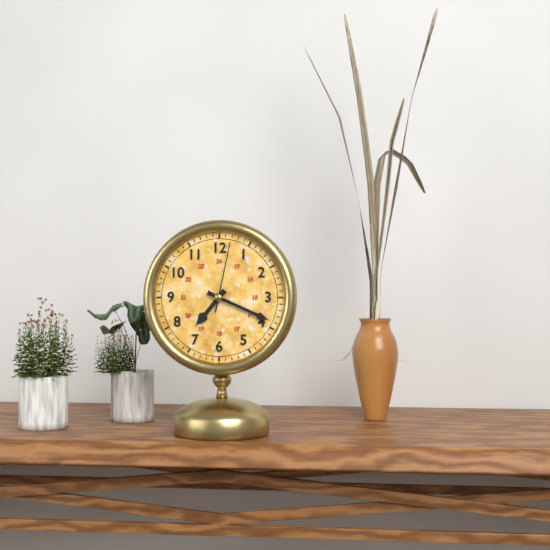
7:19:02
